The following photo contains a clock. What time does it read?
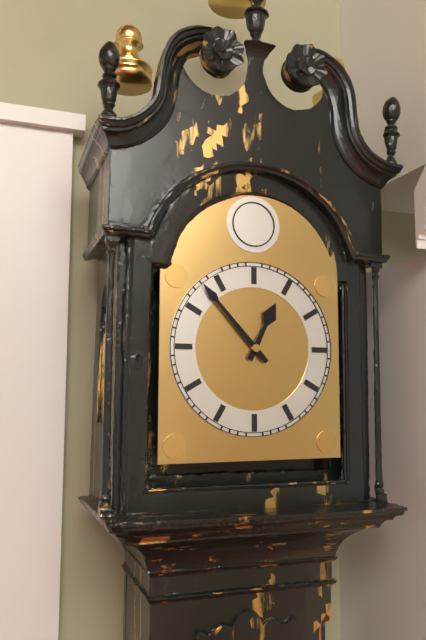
12:53
